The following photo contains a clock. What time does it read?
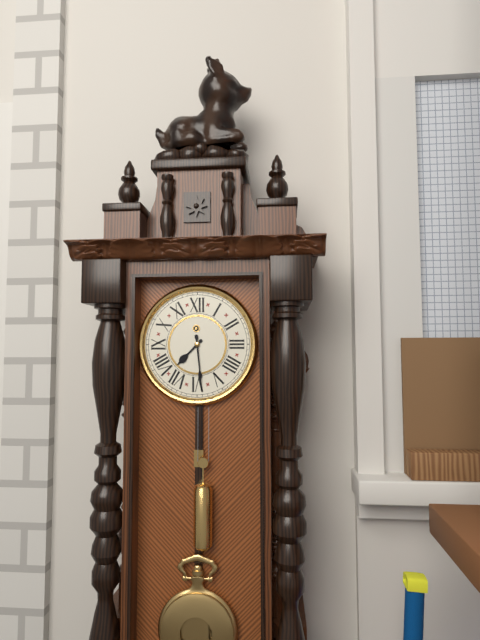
7:29
